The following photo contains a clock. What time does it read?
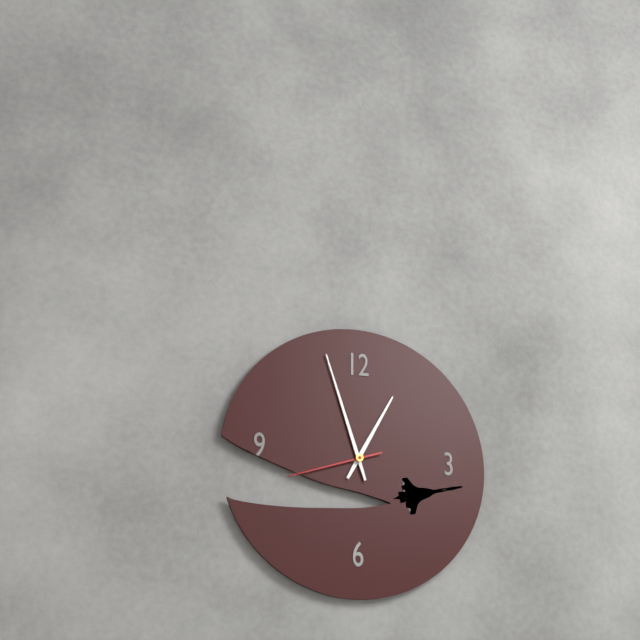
12:57:42
